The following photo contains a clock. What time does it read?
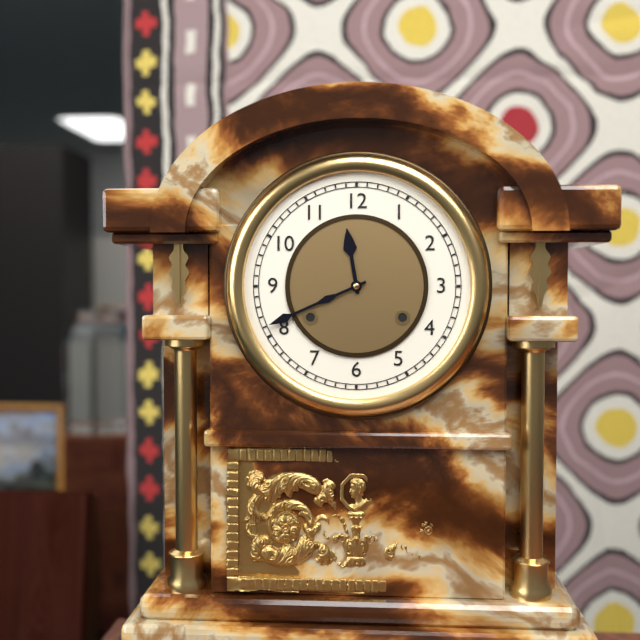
11:41
